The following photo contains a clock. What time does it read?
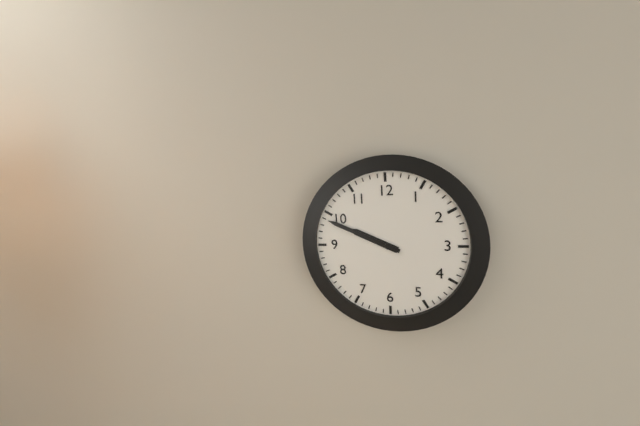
9:49
